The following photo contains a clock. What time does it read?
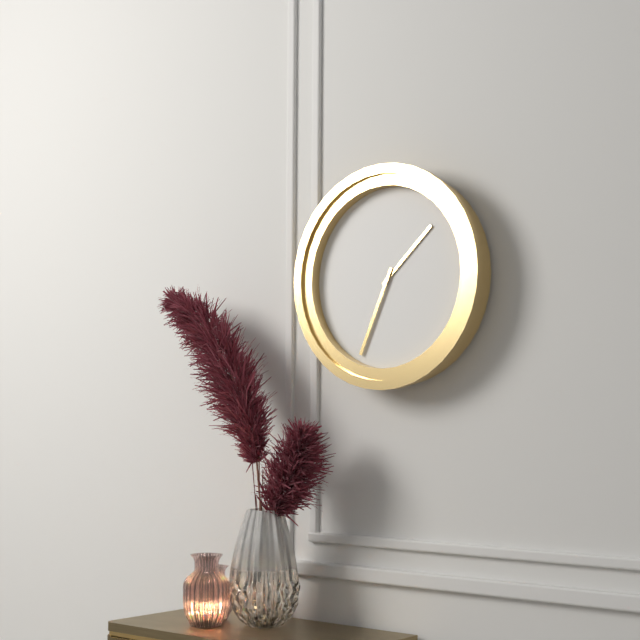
1:34
